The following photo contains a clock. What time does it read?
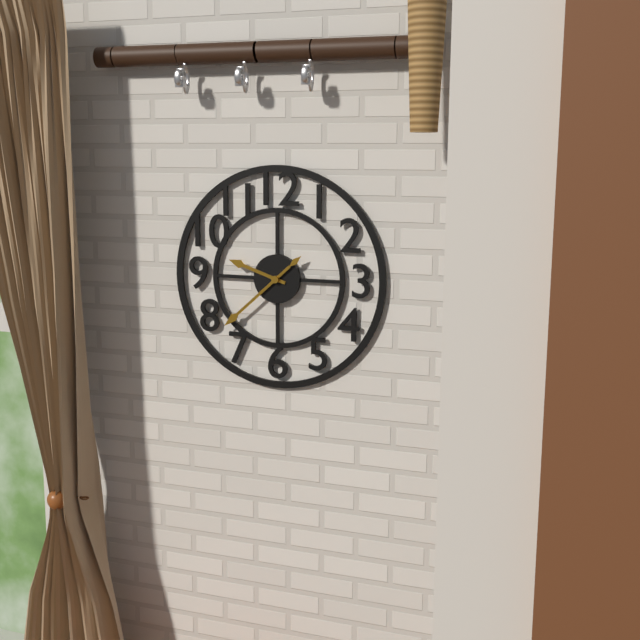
9:38
